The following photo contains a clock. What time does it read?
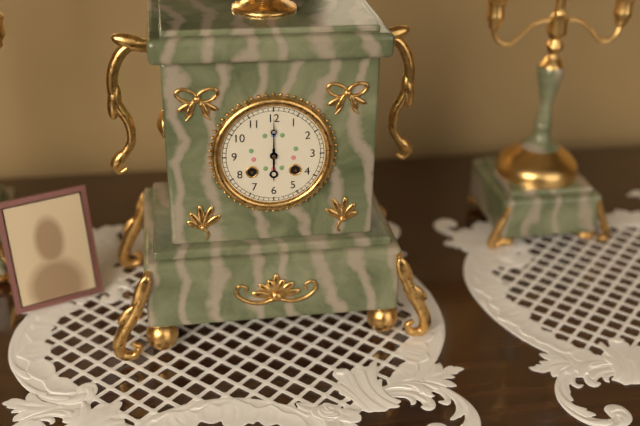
6:00
